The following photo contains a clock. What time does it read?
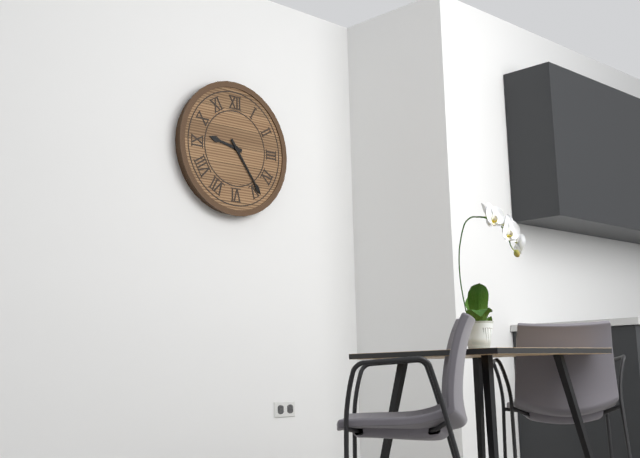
9:24
